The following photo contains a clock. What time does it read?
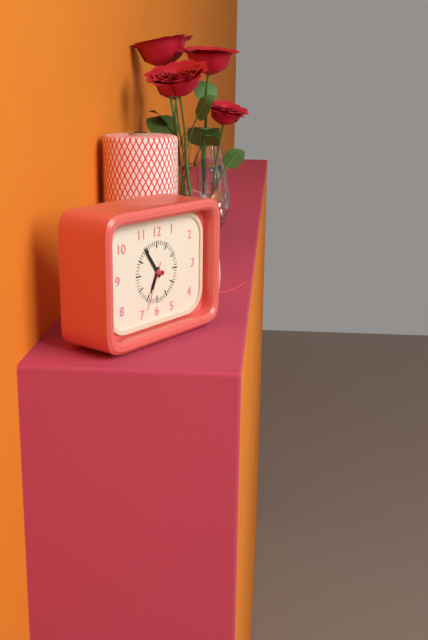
6:54:34
